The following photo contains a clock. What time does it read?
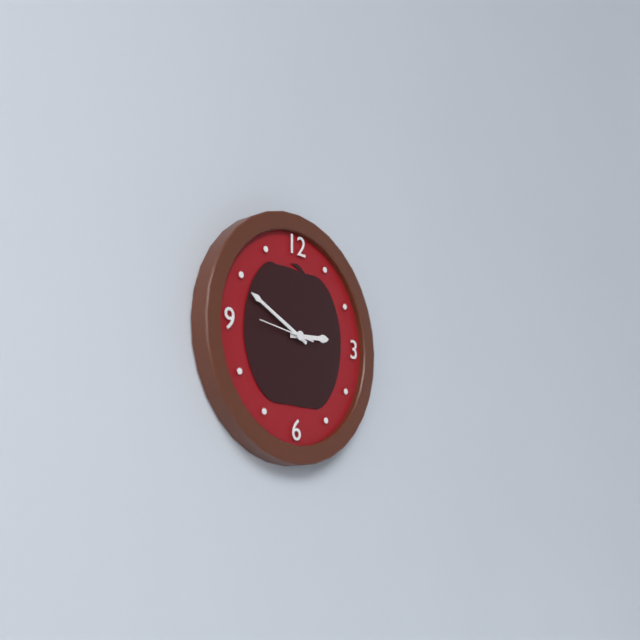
2:49:46
